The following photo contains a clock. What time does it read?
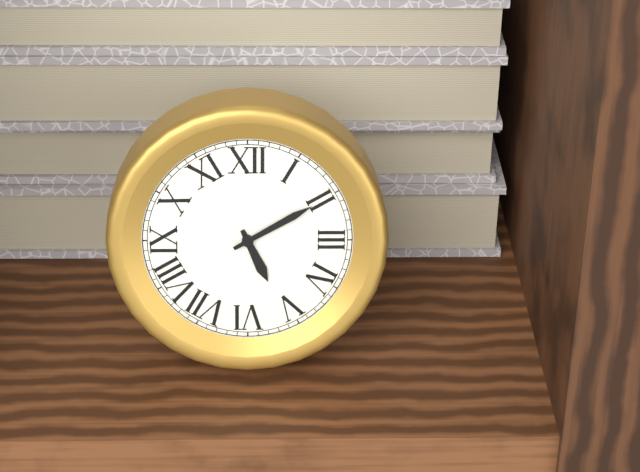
5:10
